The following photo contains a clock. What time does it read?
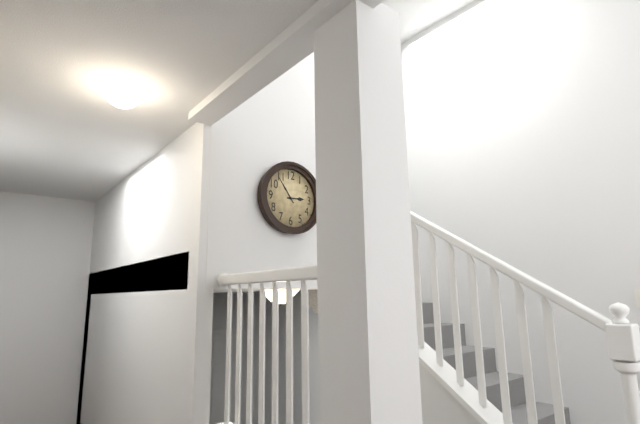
2:54
